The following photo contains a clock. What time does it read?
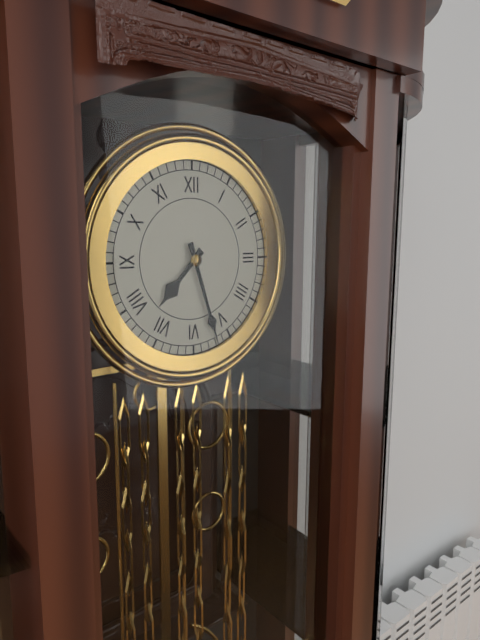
7:27
